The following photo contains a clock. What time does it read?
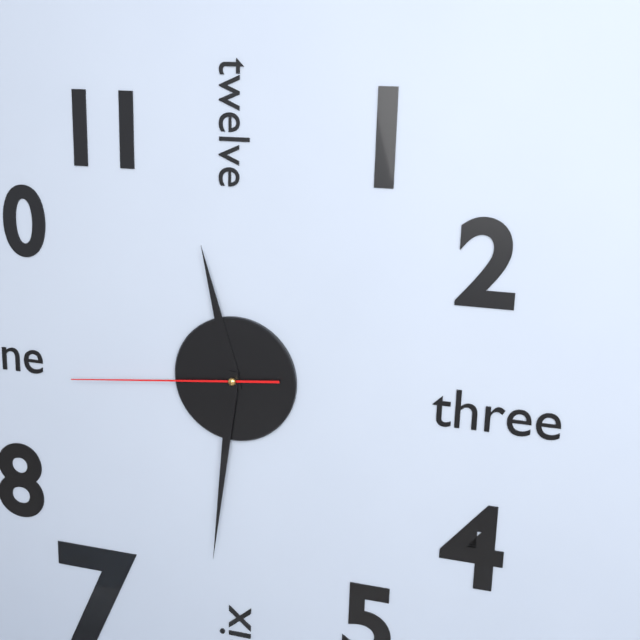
11:31:44
